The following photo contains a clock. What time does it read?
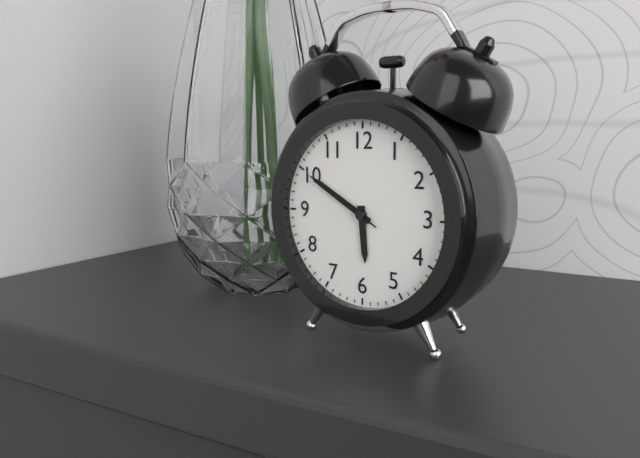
5:50:50
